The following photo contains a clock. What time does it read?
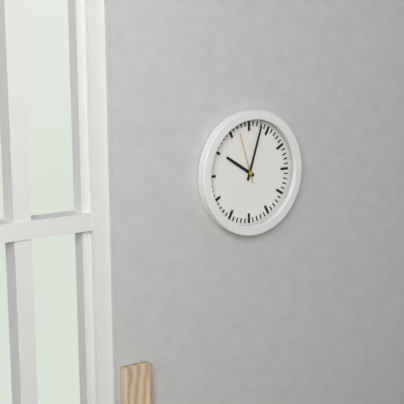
10:03:57
